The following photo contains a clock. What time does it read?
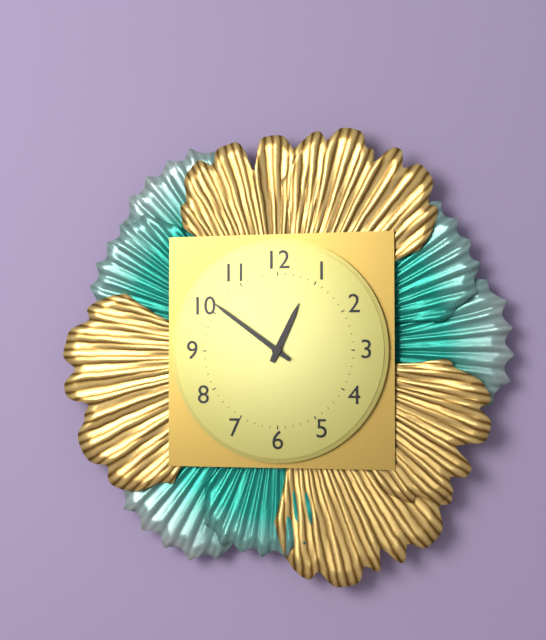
12:51
